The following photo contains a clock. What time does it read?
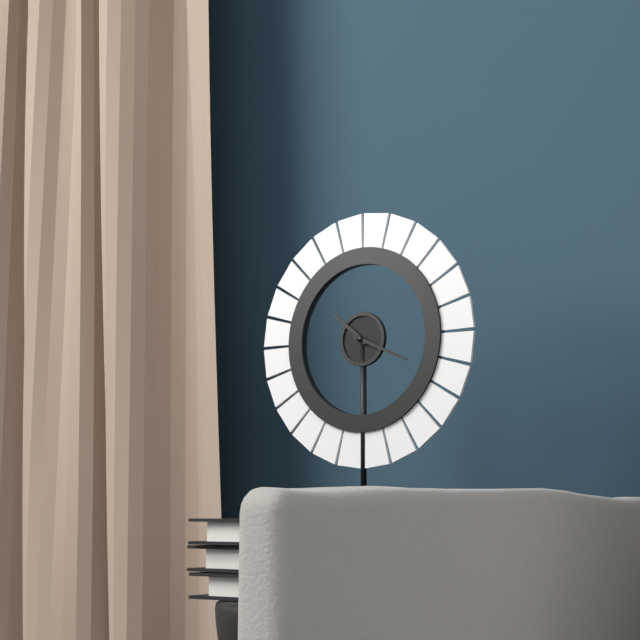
10:19
